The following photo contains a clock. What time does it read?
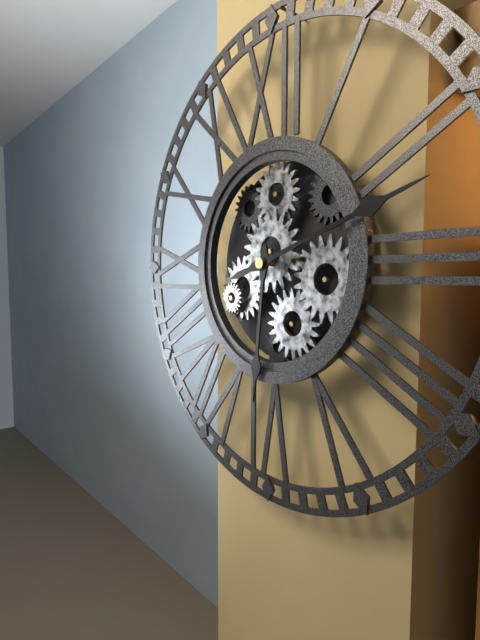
6:12
